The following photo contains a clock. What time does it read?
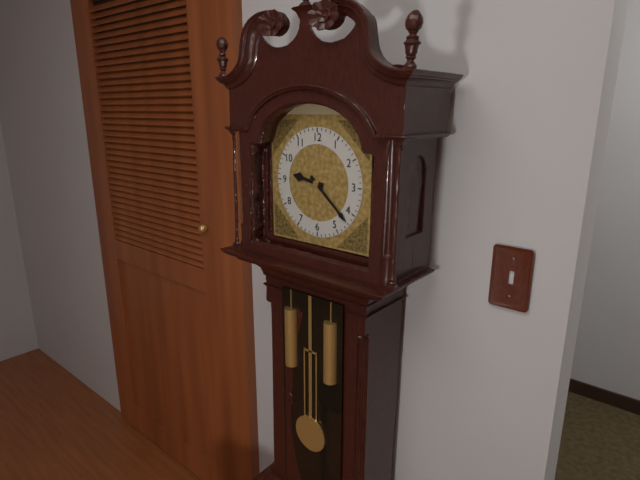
9:22
